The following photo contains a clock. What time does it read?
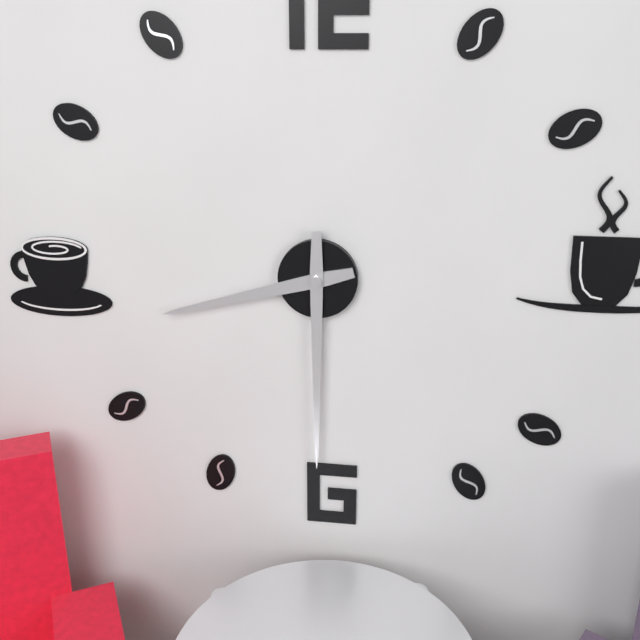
8:30
